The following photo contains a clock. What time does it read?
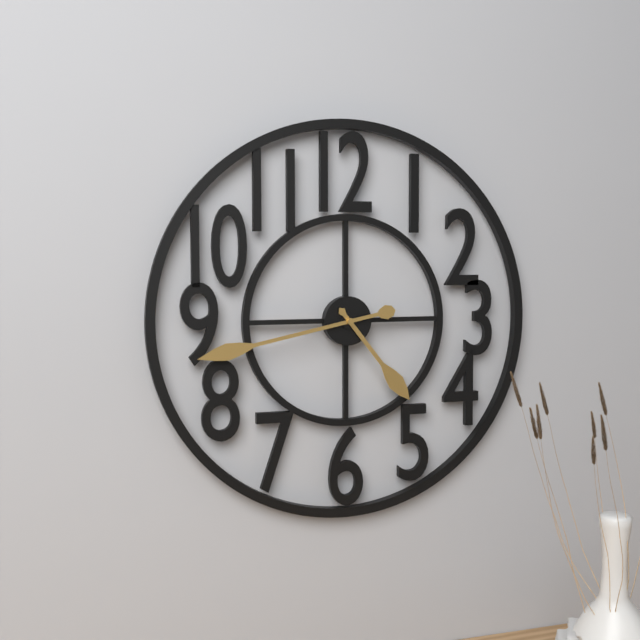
4:43
